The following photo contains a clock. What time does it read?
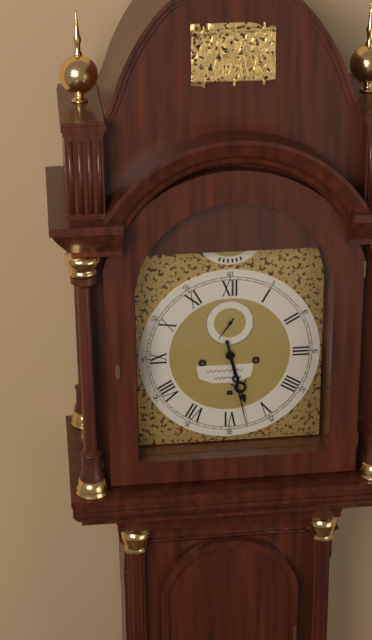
5:28
